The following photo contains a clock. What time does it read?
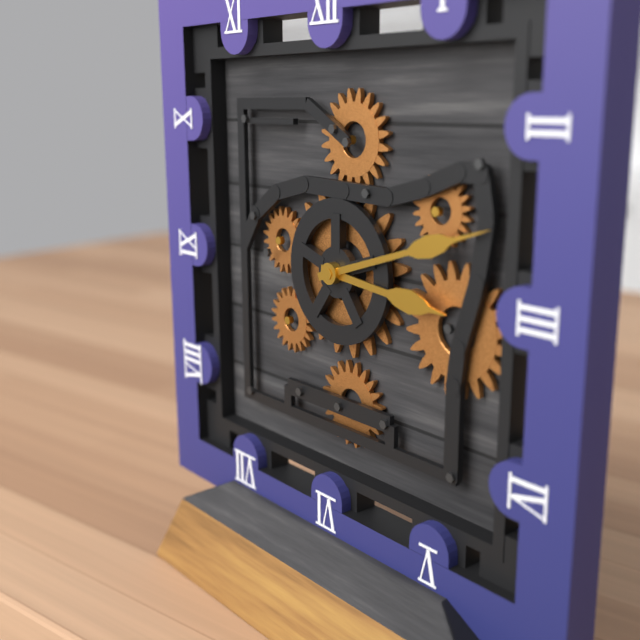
3:12
